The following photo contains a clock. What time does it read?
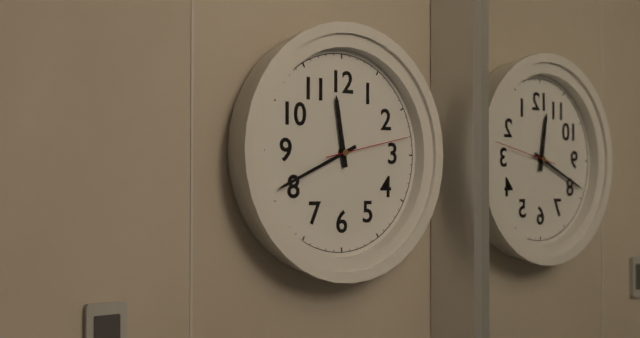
11:41:13
